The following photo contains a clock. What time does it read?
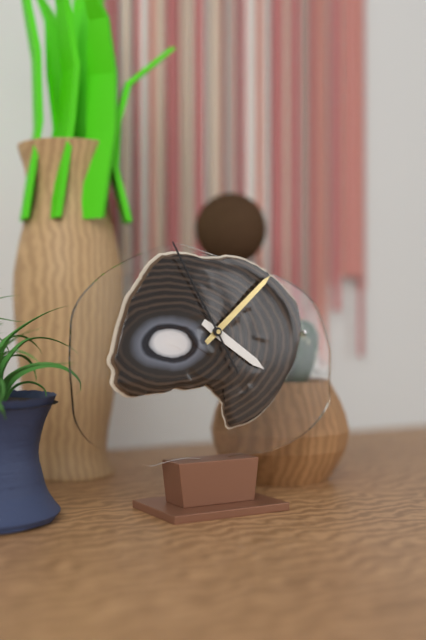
4:08:55
